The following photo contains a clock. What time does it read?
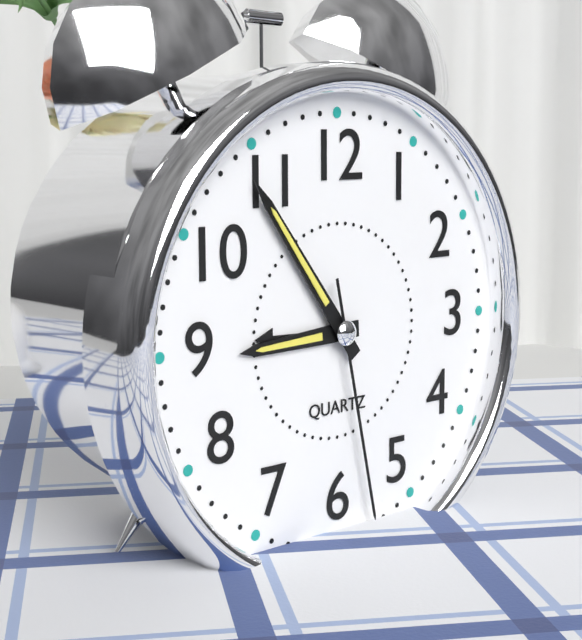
8:54:28
